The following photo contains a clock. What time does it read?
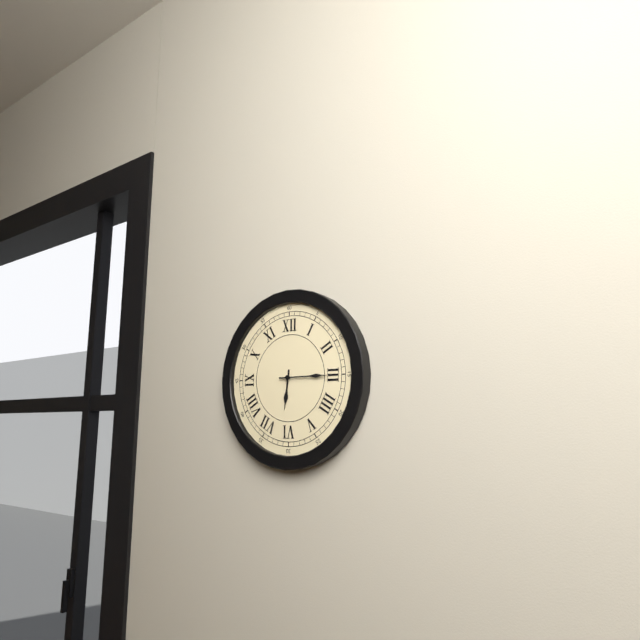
6:15
